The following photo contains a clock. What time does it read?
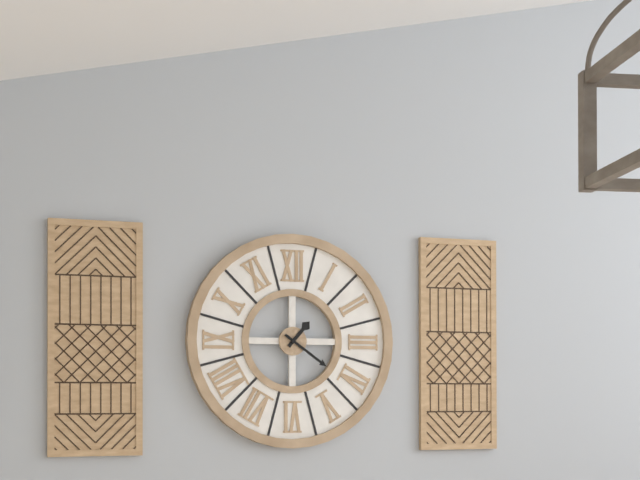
1:21
